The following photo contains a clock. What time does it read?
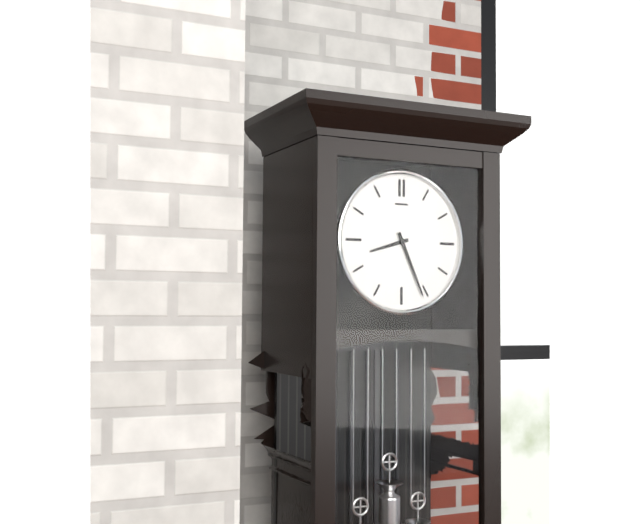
8:26
